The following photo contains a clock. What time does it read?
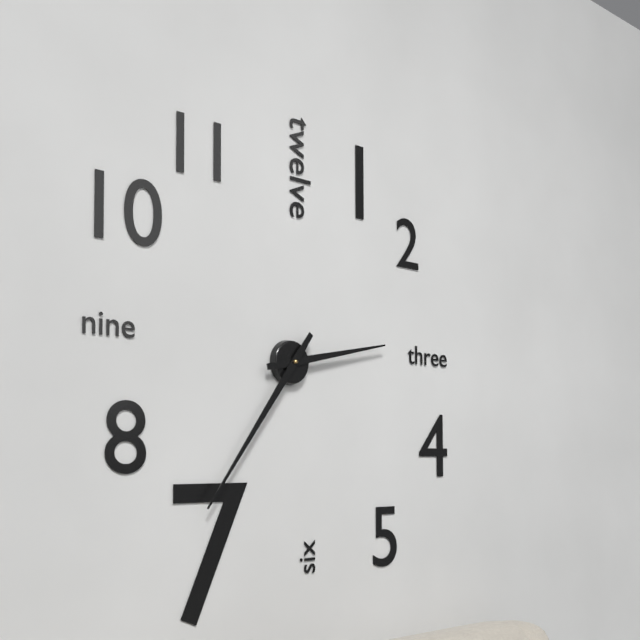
2:36
